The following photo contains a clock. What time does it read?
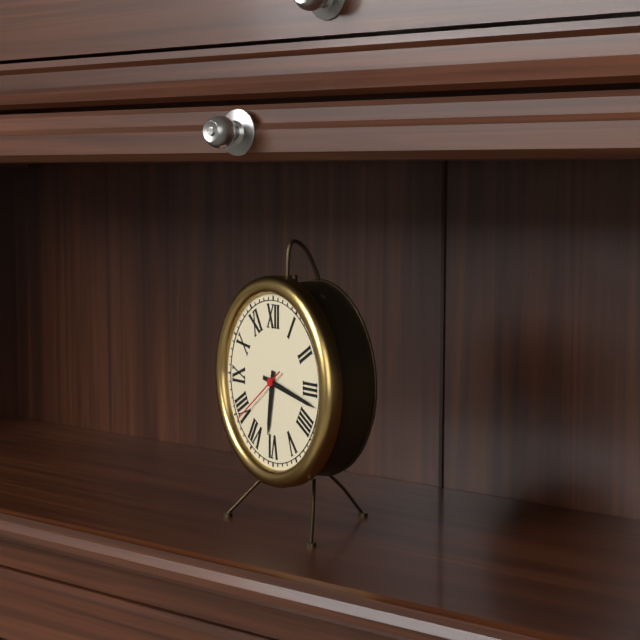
6:17:39
